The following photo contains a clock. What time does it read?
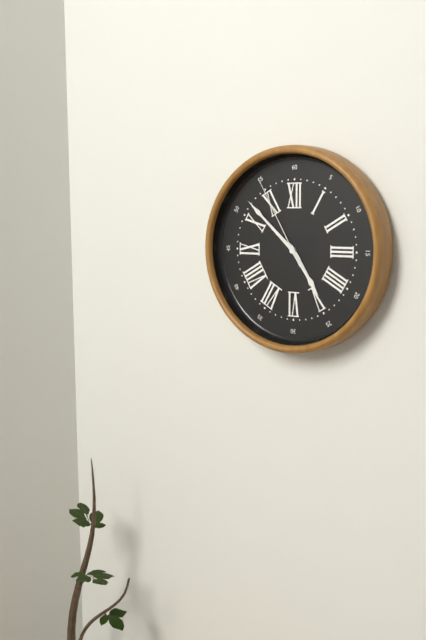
4:52:55
